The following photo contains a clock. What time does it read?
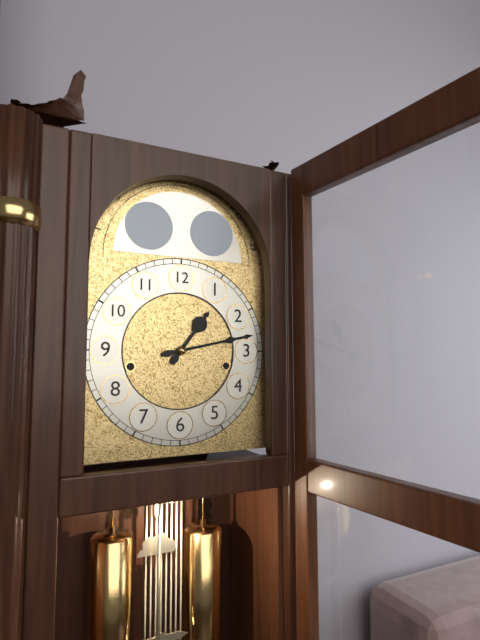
1:13
